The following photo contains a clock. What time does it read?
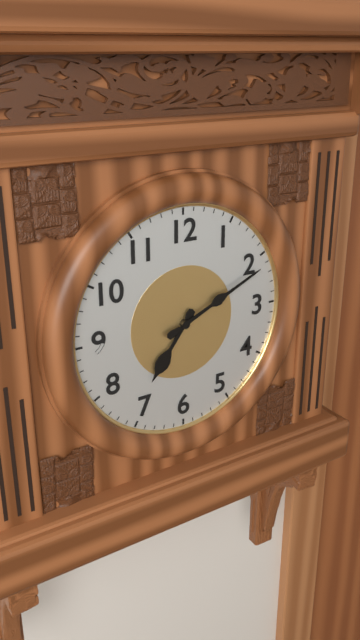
7:11
